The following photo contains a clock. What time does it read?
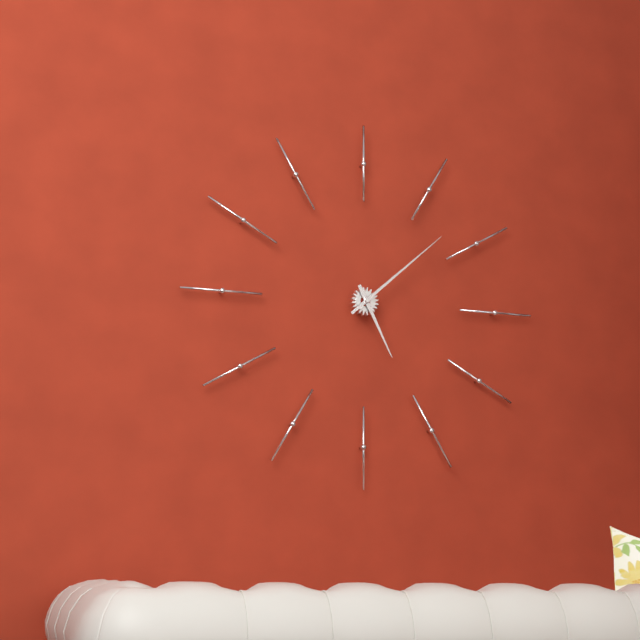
5:08
